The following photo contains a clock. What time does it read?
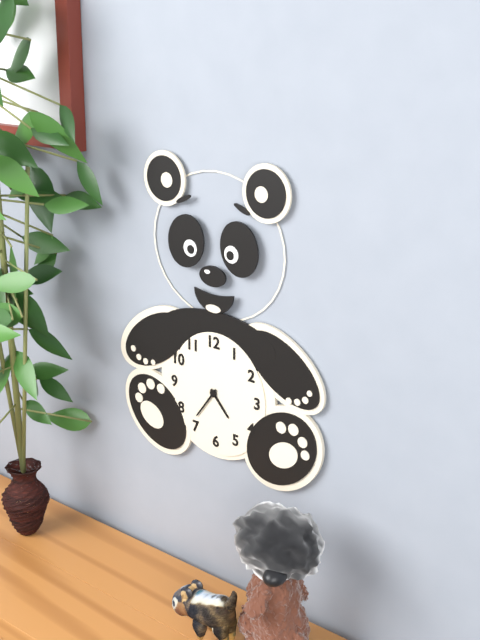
4:36
